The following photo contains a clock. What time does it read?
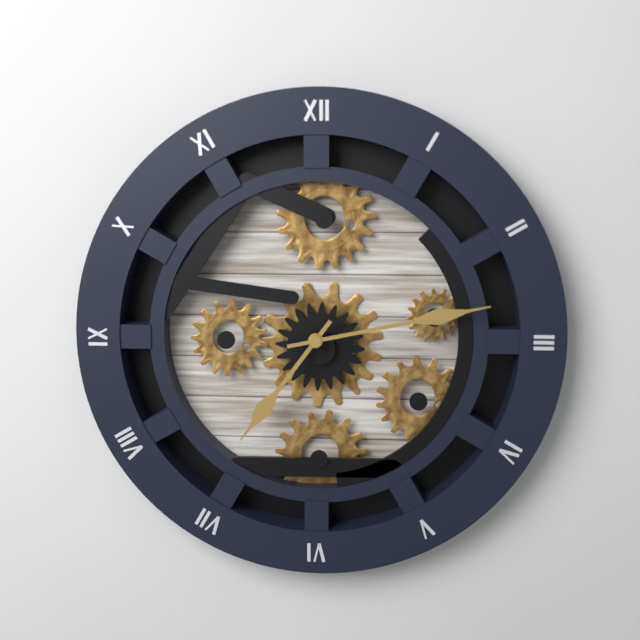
7:13
